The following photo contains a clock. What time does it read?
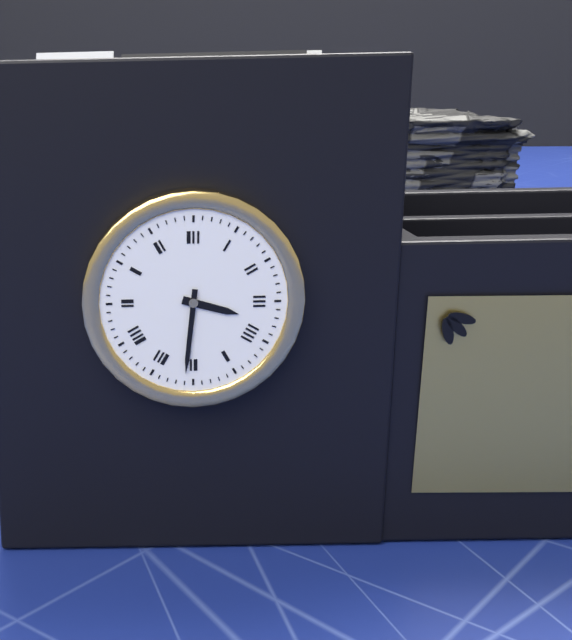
3:31
